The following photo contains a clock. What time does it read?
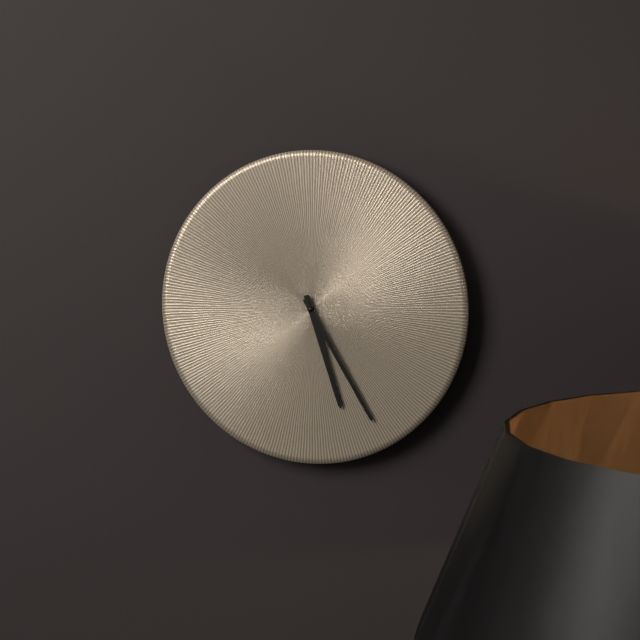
5:25
